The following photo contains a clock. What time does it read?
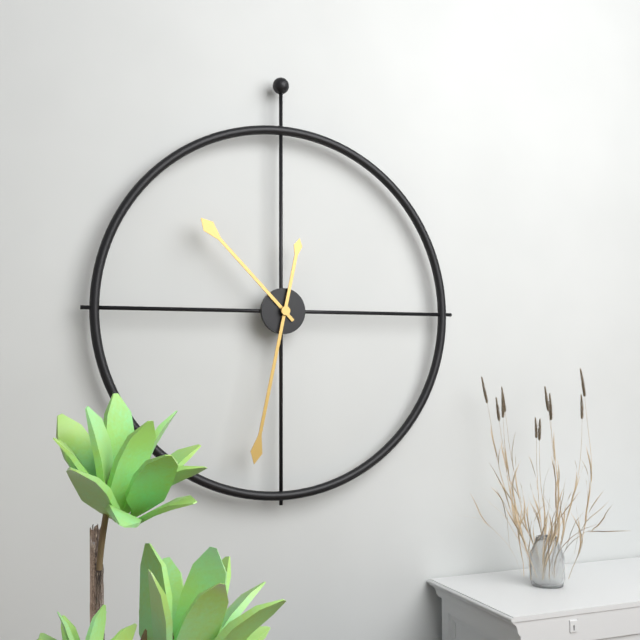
10:32
